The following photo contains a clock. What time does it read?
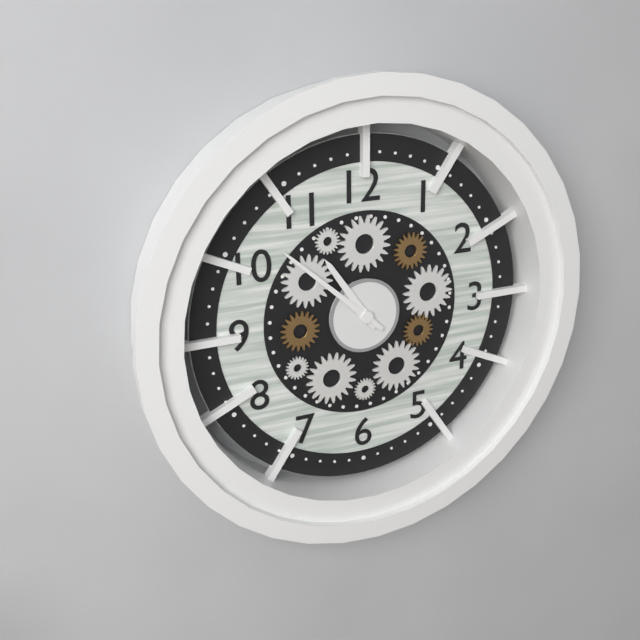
10:52
